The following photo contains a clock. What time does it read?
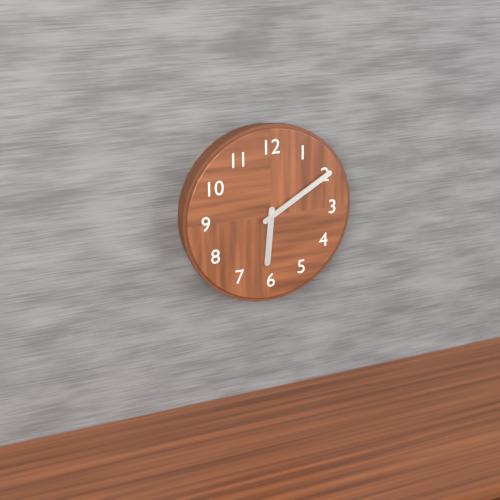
6:10
